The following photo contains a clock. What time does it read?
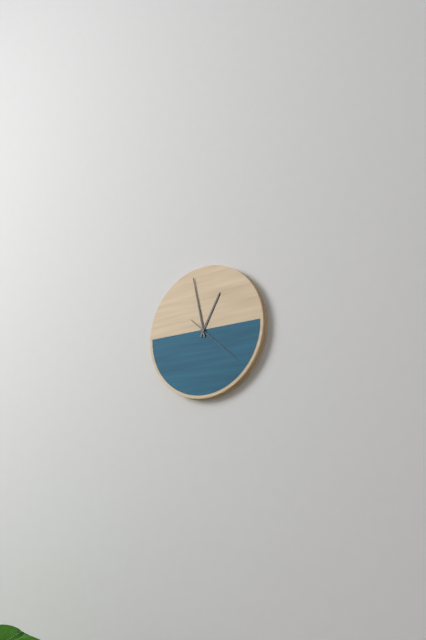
12:58:22
